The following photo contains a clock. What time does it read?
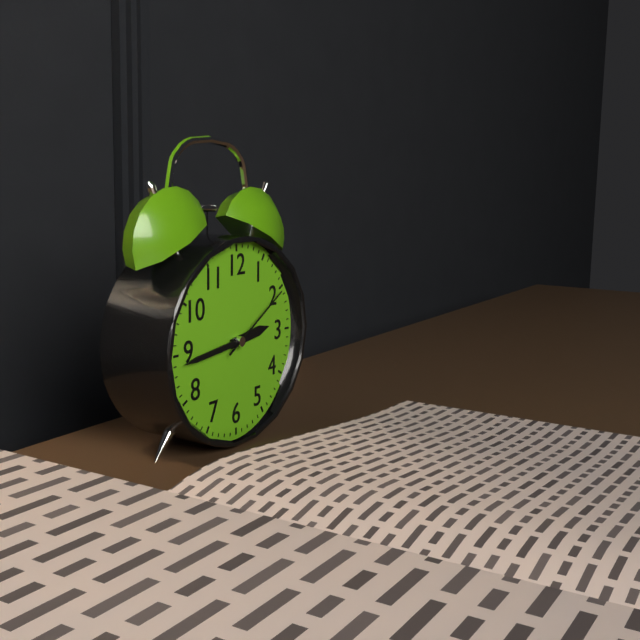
2:44:10
